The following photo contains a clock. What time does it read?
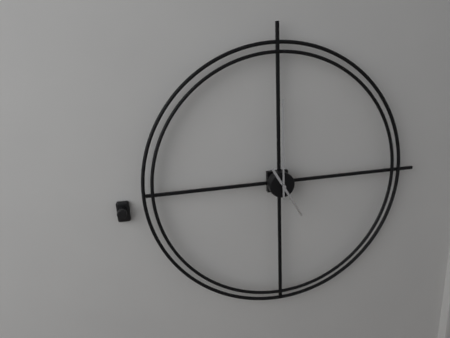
5:00
